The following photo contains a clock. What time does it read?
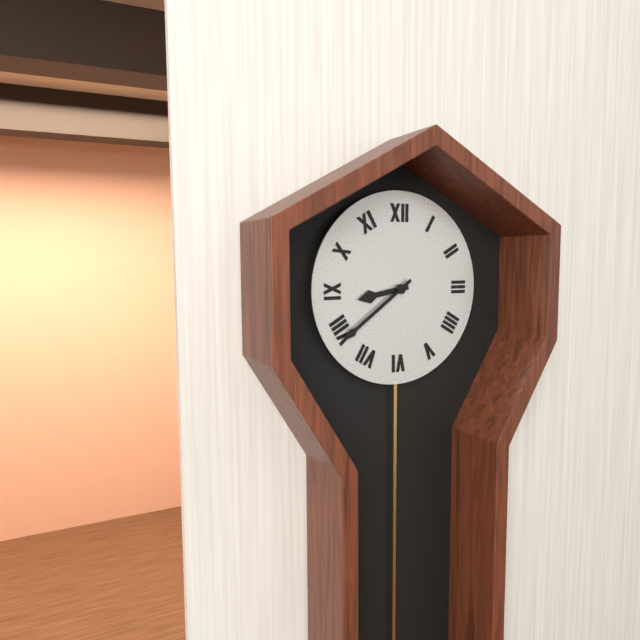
8:39
